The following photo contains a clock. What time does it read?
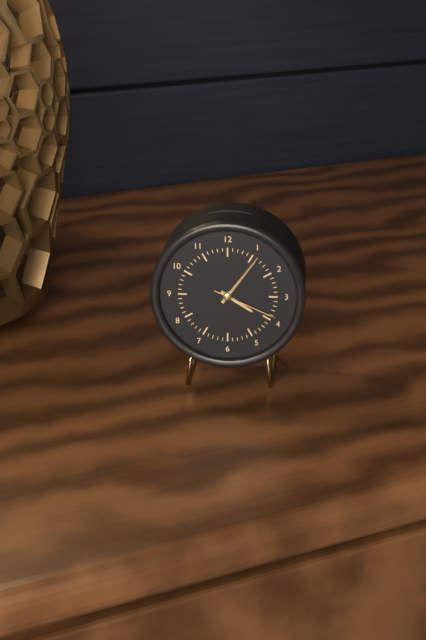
4:06:19
